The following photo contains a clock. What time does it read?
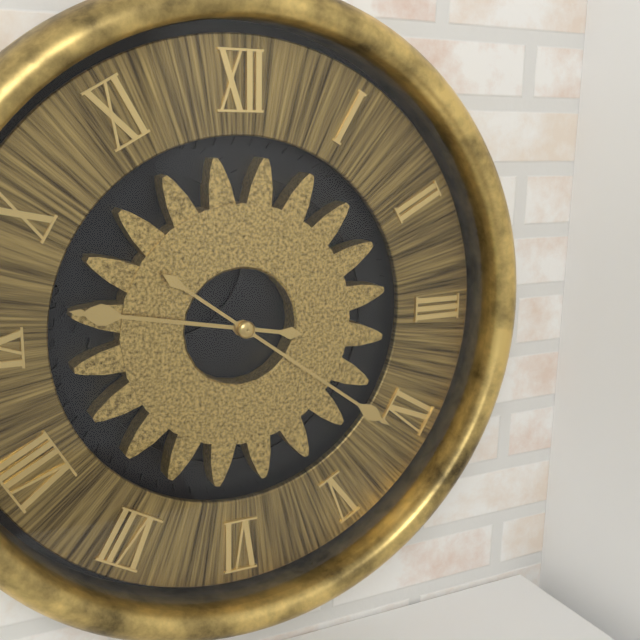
9:21
